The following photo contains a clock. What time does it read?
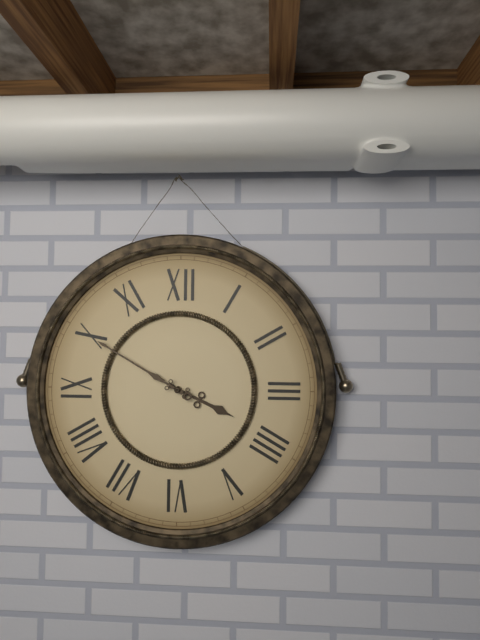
3:50
